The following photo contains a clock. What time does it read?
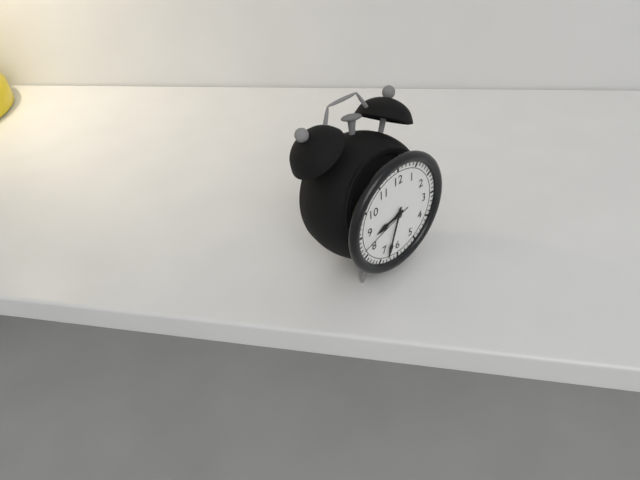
8:33:42
